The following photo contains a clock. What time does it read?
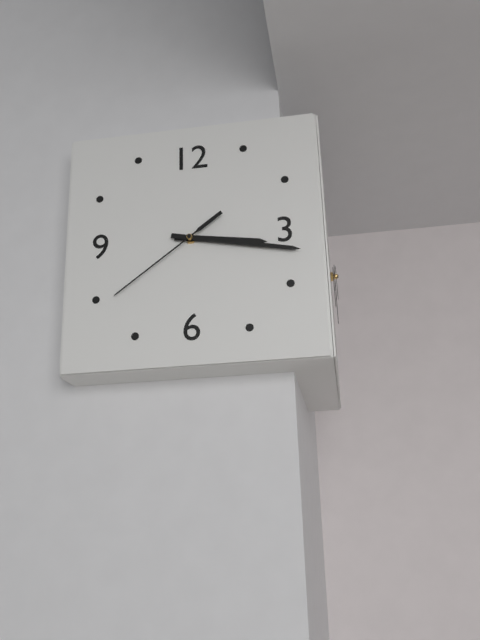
3:17:39
